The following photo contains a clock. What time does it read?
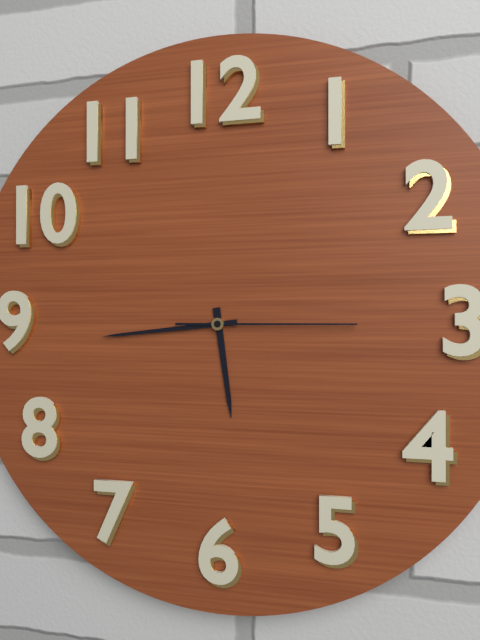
5:44:15
